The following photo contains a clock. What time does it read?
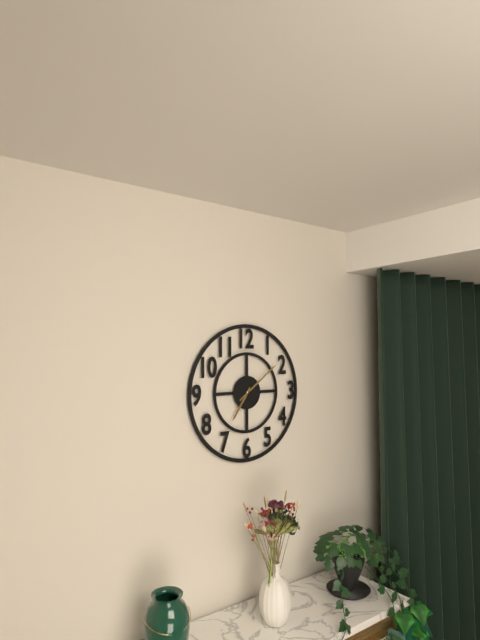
7:09
